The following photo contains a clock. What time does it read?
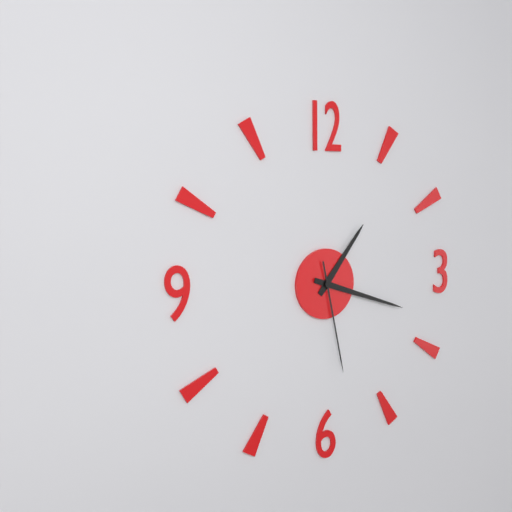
1:18:28
